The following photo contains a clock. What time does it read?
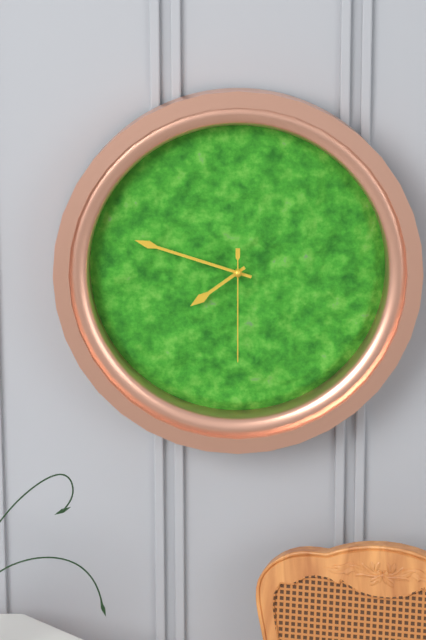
7:48:30
